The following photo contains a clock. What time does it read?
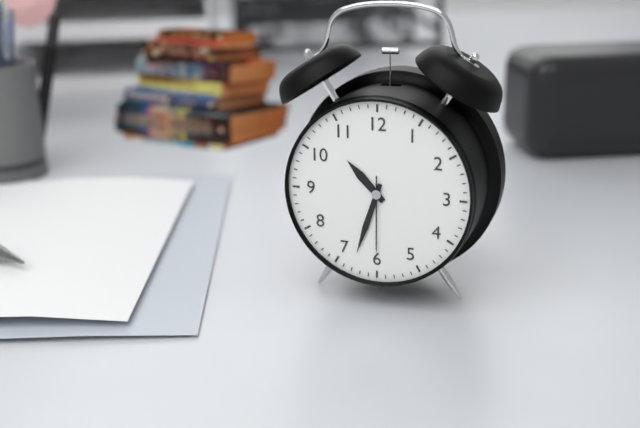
10:33:30
